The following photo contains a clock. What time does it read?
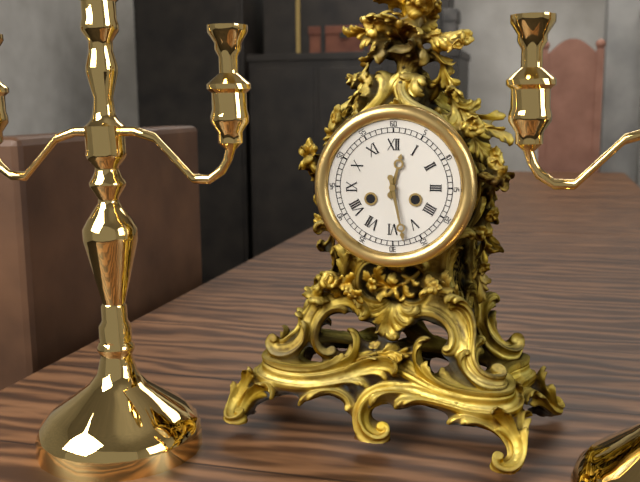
12:28
